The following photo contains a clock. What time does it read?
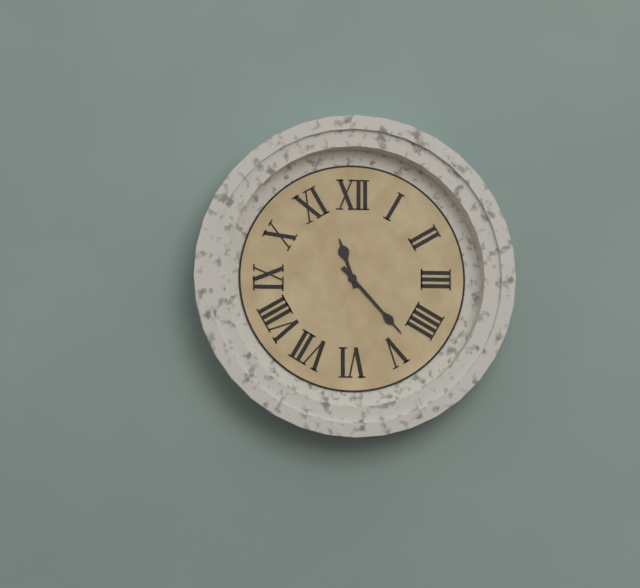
11:23
